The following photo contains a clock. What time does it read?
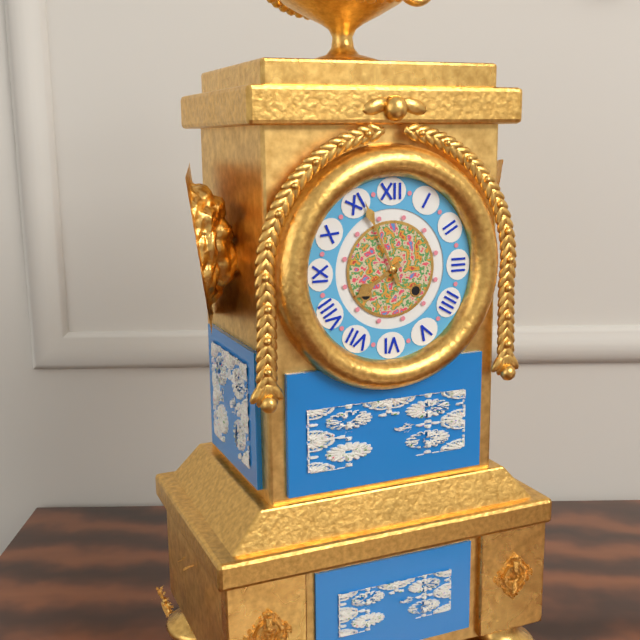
7:56
